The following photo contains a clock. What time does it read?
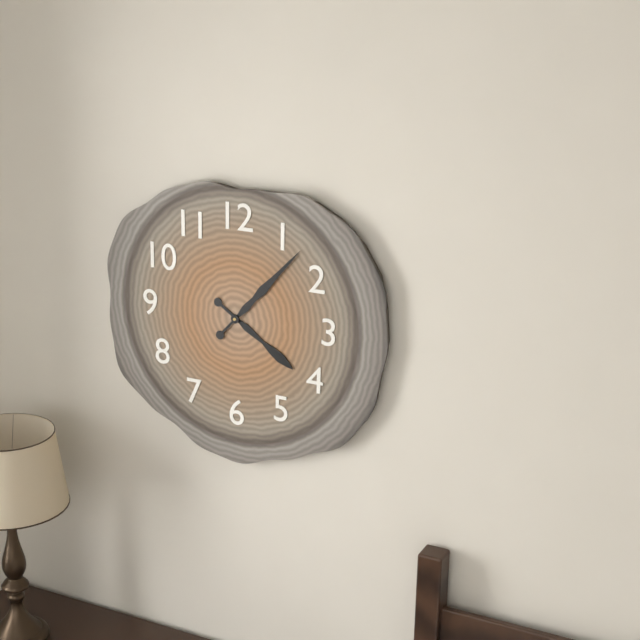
4:07
